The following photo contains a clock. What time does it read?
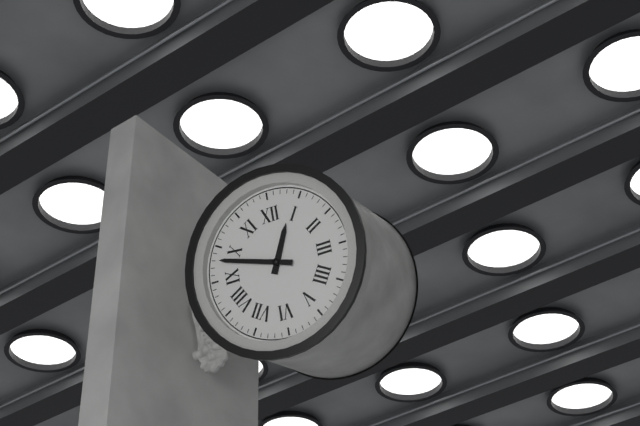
12:48
